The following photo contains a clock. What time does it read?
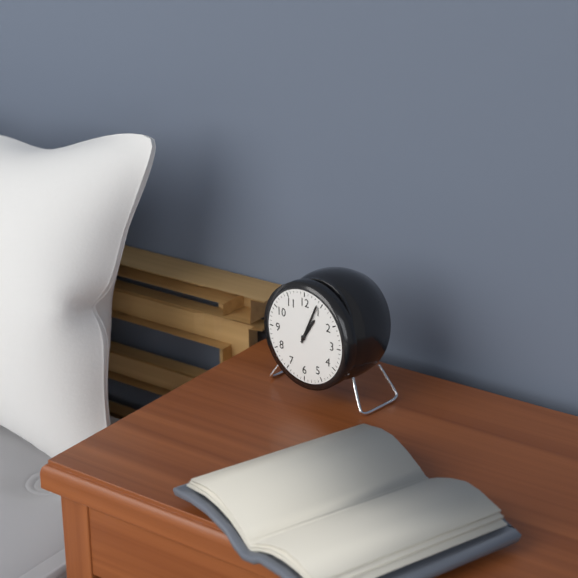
1:04
